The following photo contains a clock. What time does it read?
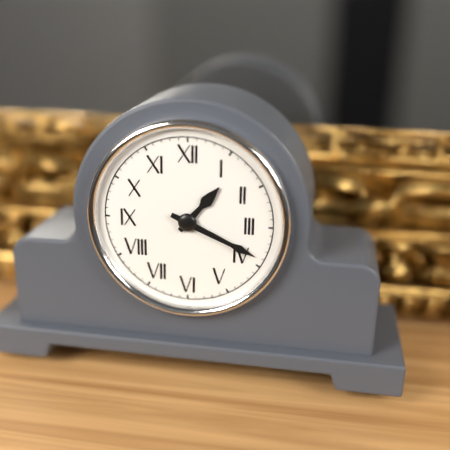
1:19
